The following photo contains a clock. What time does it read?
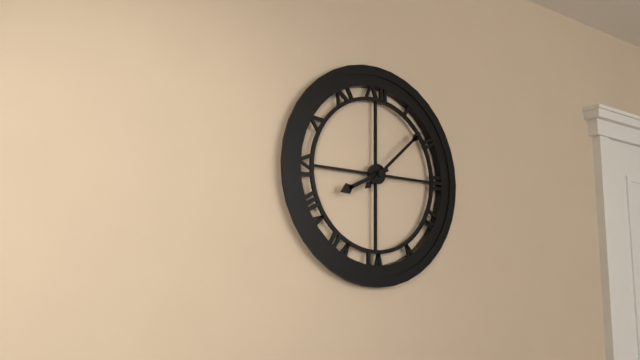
8:08
